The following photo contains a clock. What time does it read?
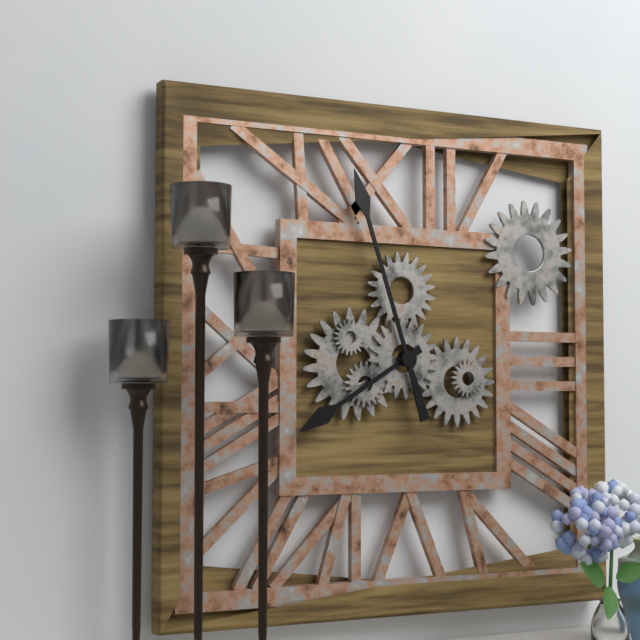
7:57
